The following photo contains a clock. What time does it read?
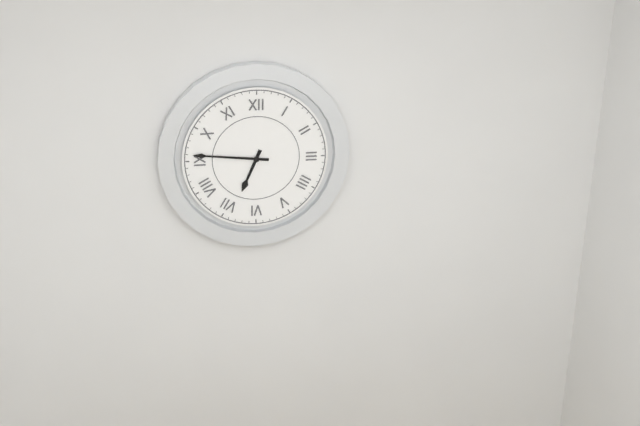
6:46
